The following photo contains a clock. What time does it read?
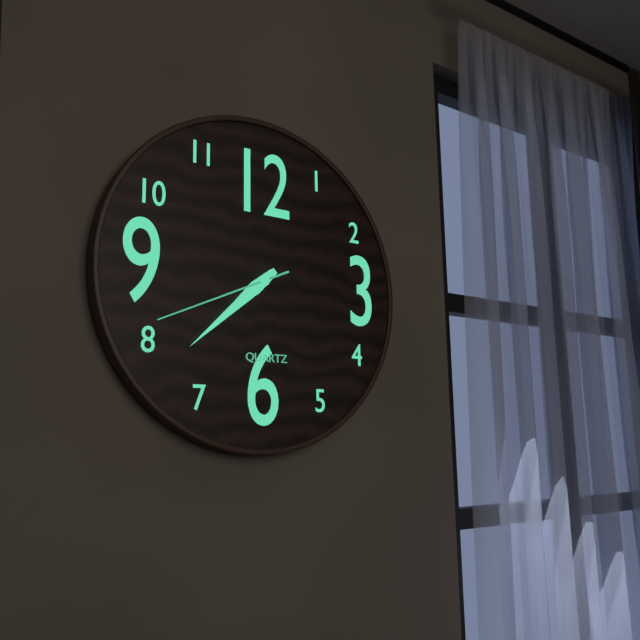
7:38:41
